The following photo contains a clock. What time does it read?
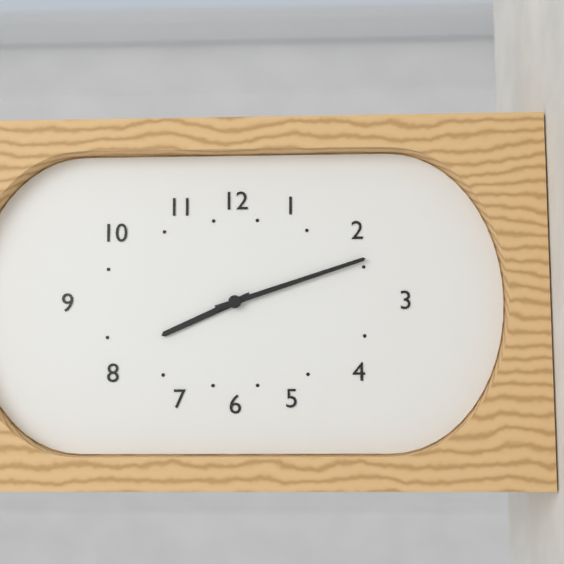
8:12
